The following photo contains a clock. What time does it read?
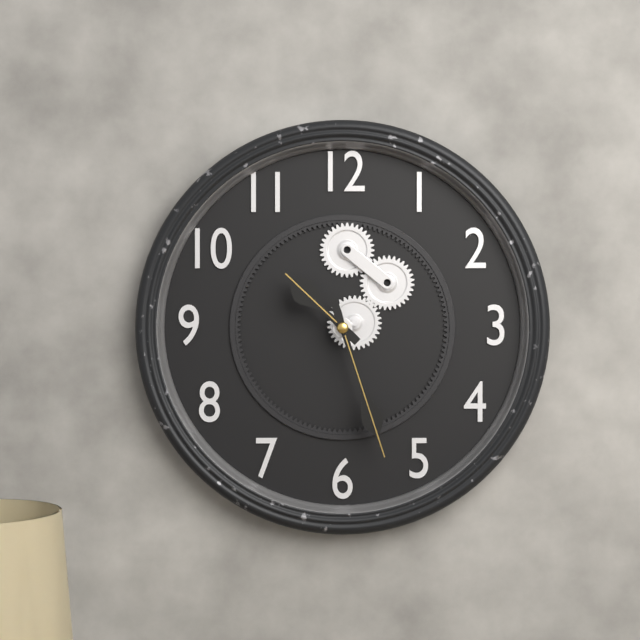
10:27
